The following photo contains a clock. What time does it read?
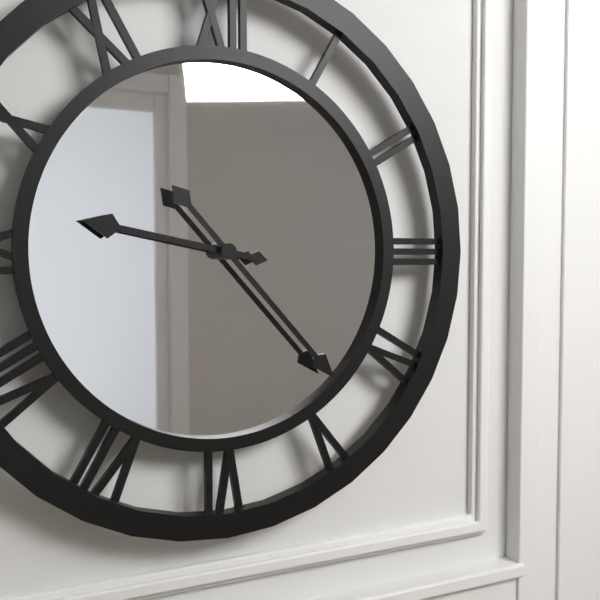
9:23
